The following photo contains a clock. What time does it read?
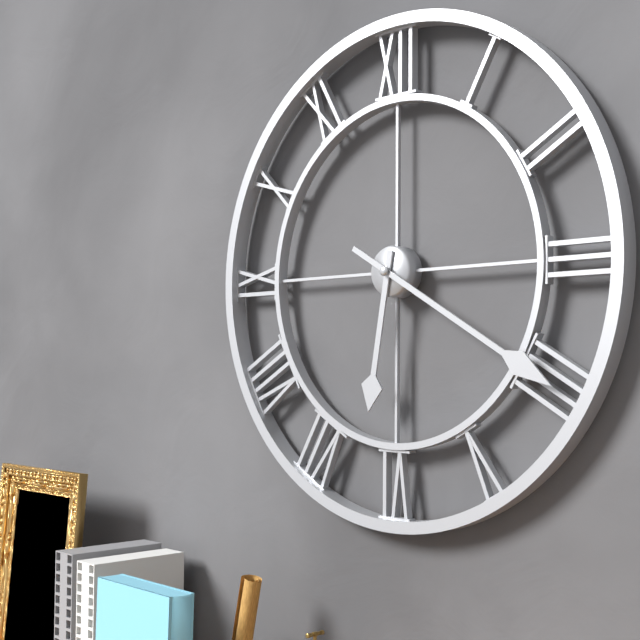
6:20
